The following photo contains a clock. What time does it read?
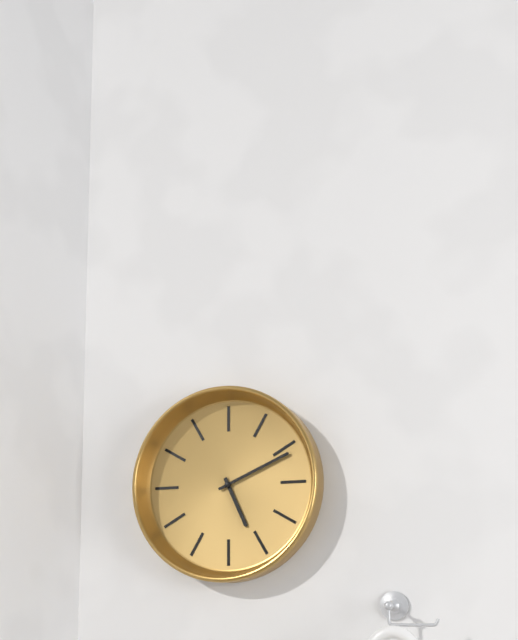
5:11
